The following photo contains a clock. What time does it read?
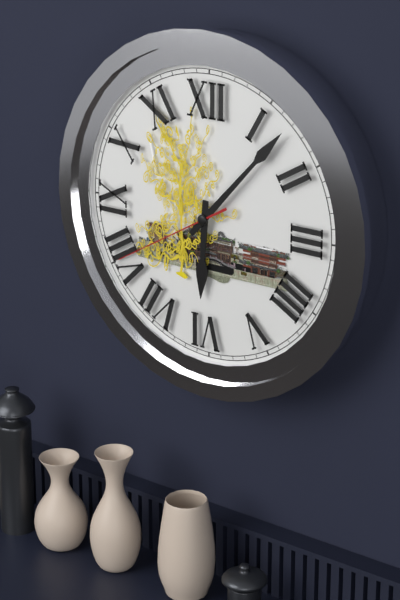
6:07:40
